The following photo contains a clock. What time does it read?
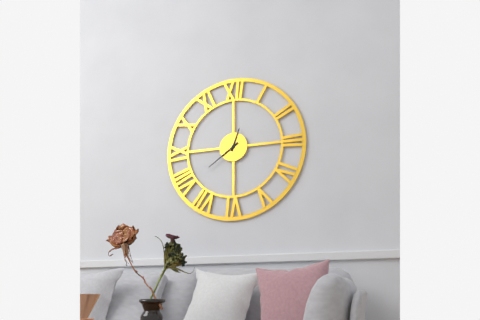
12:39
